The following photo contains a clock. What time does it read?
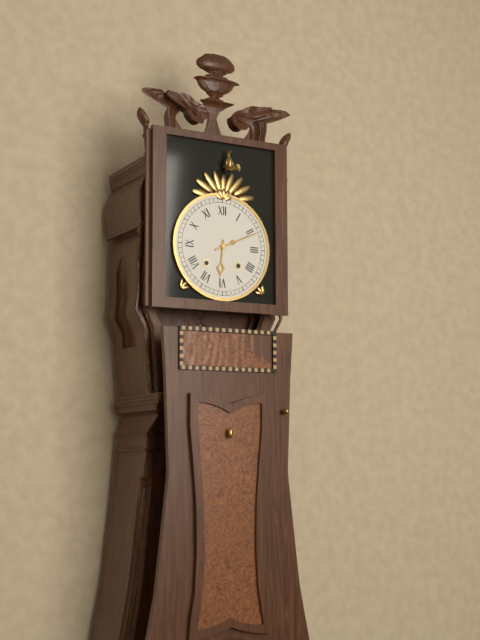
6:11
